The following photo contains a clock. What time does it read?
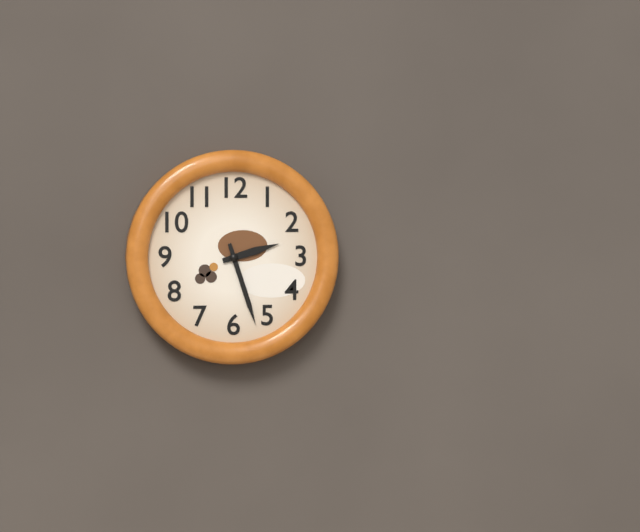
2:27
